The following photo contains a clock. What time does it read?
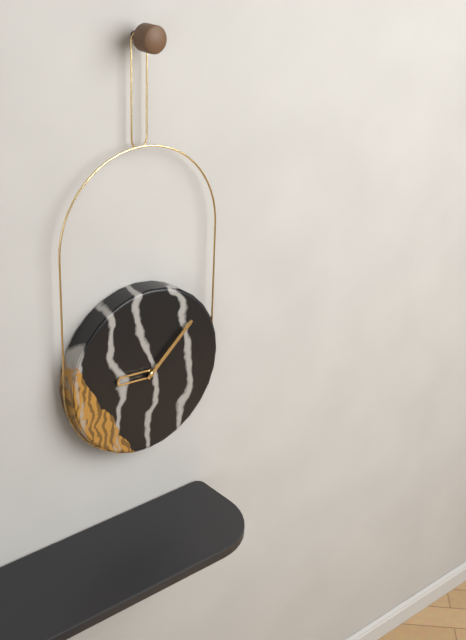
9:08
